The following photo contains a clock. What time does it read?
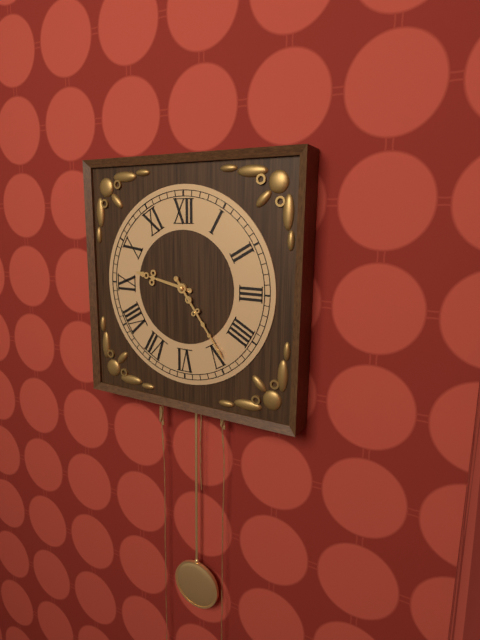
9:24
